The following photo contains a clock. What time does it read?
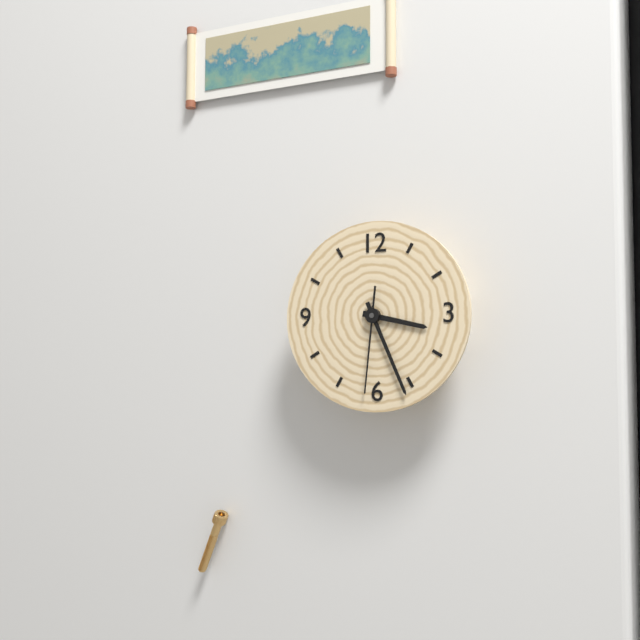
3:26:31
